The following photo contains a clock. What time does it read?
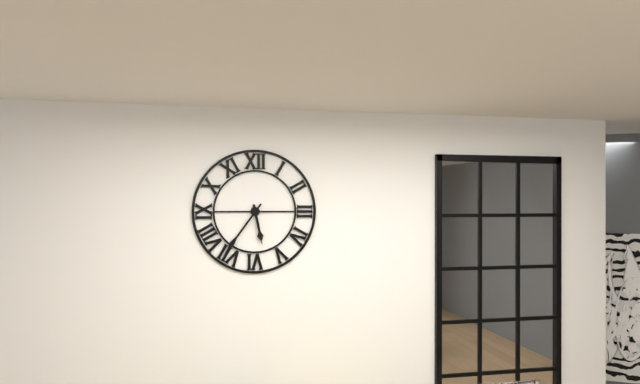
5:36
